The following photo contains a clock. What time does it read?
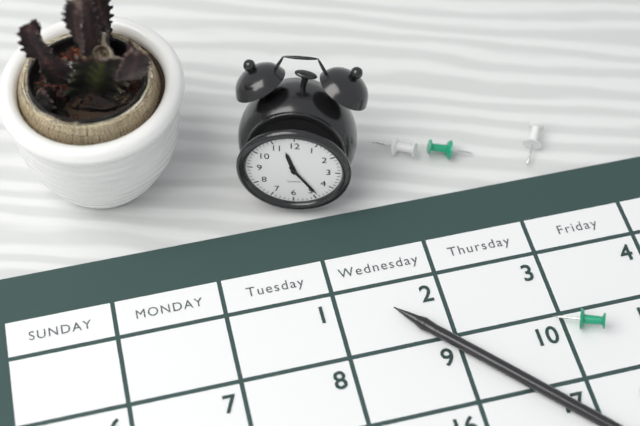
11:24
